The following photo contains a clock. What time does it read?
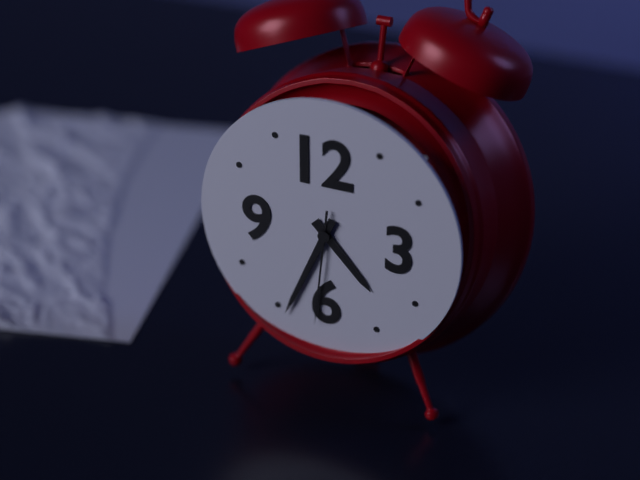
4:34:31
